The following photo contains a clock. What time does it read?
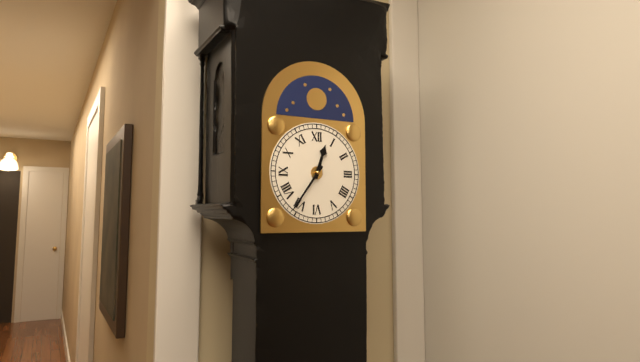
12:36
